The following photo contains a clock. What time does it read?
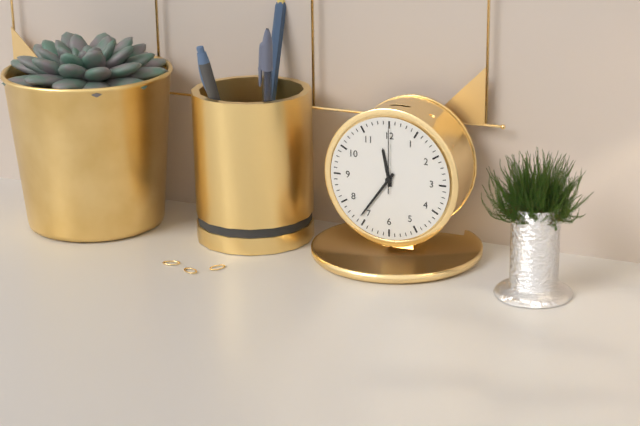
11:36:00
